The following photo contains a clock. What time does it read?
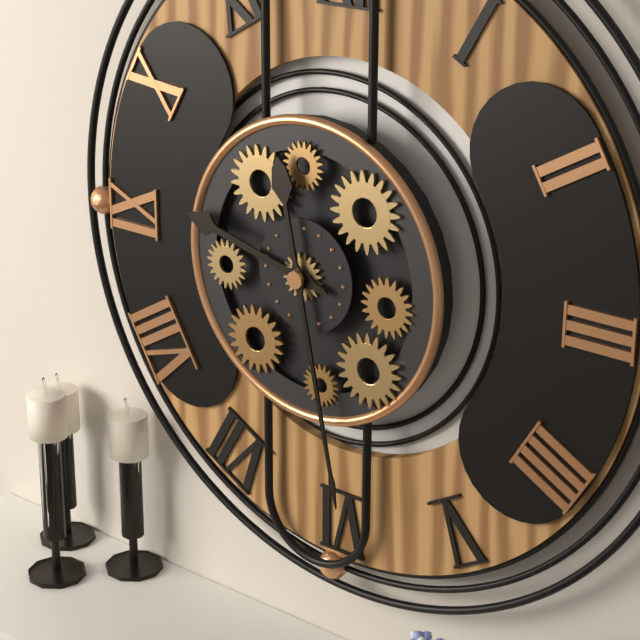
9:28
